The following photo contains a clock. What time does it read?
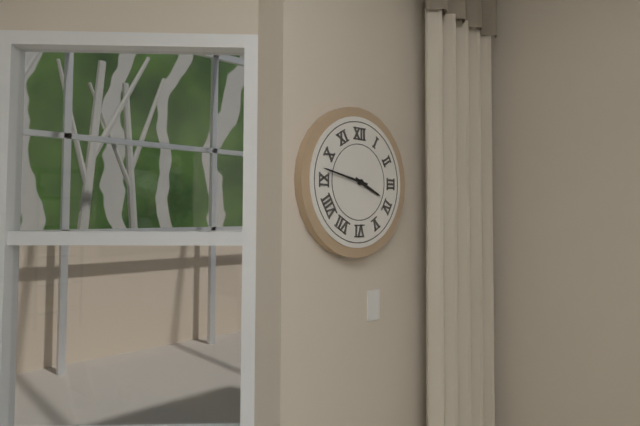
3:47
